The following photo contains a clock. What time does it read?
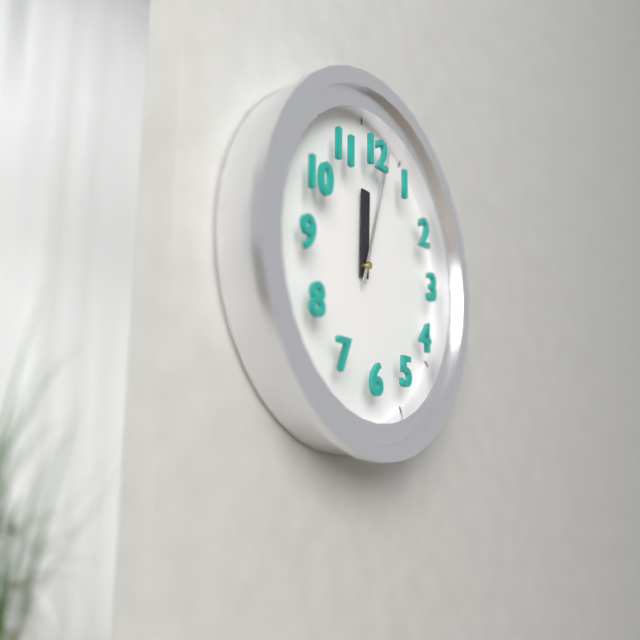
12:03
